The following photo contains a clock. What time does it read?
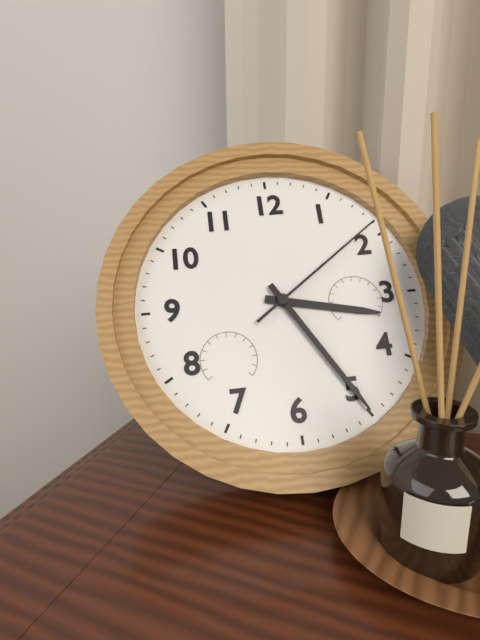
3:25:09
